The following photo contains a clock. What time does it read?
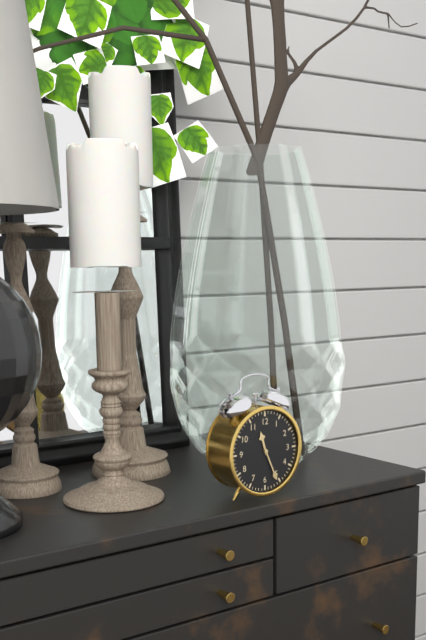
11:26
